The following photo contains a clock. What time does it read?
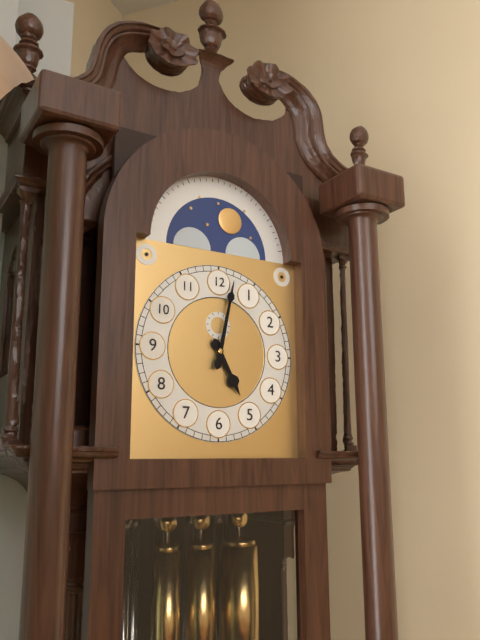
5:02
